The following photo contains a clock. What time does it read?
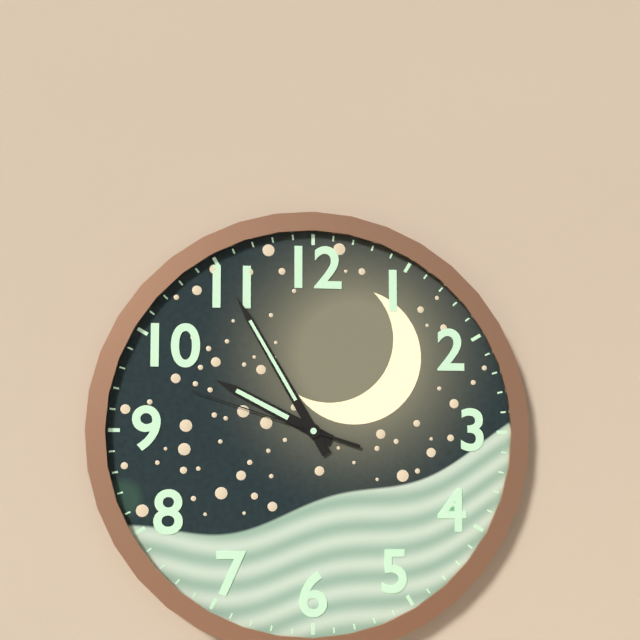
9:55:48
